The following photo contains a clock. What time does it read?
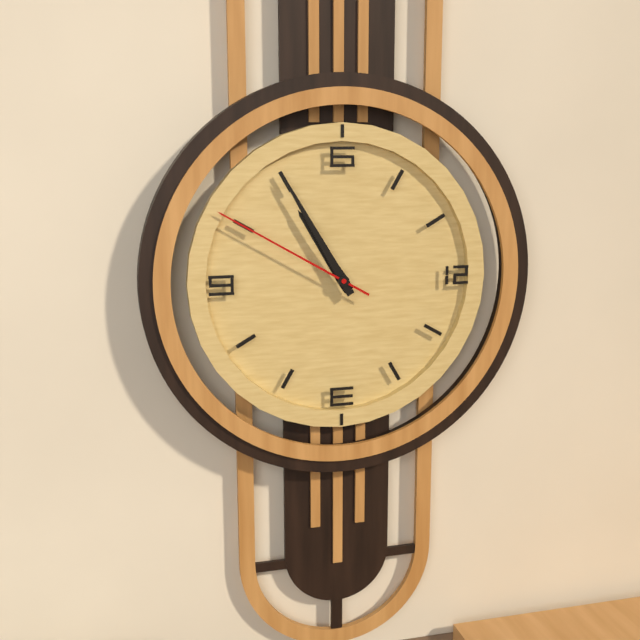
10:55:50
